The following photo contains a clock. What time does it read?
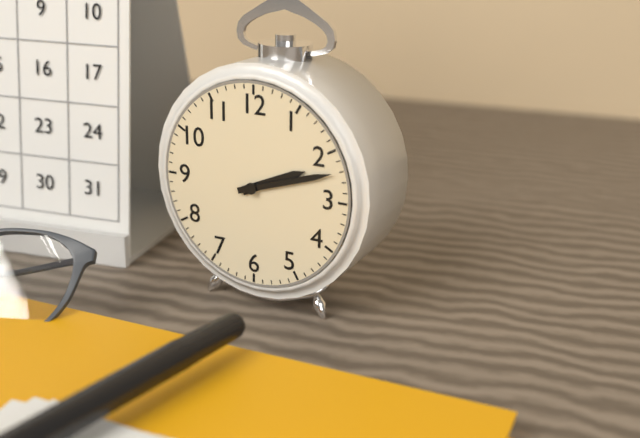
2:12
